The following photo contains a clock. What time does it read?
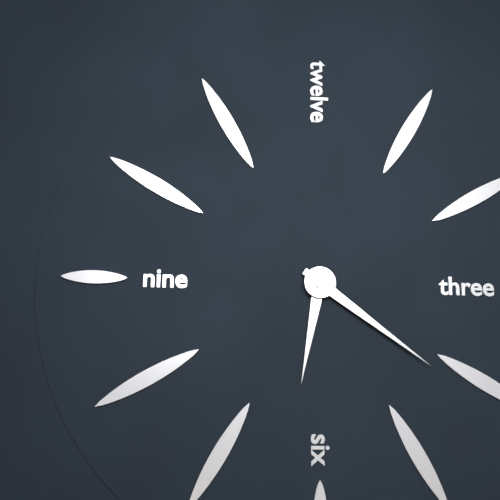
6:21
